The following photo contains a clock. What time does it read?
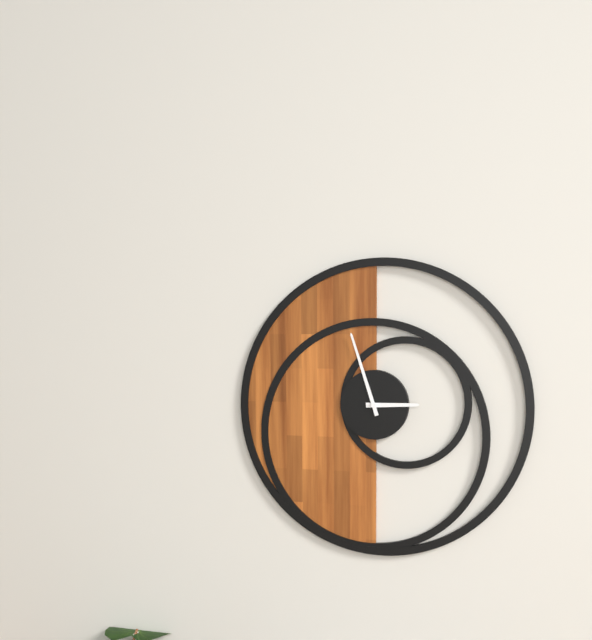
2:57
